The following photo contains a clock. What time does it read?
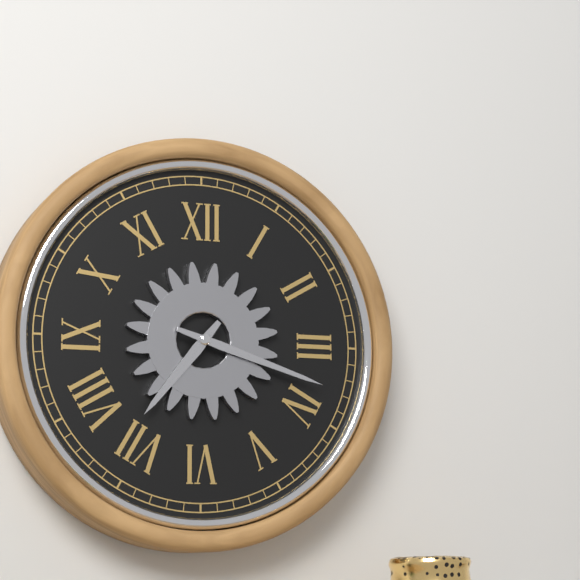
7:18
